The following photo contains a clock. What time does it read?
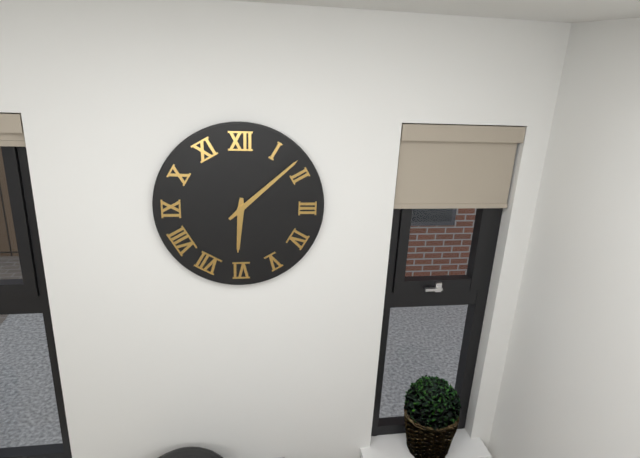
6:08
